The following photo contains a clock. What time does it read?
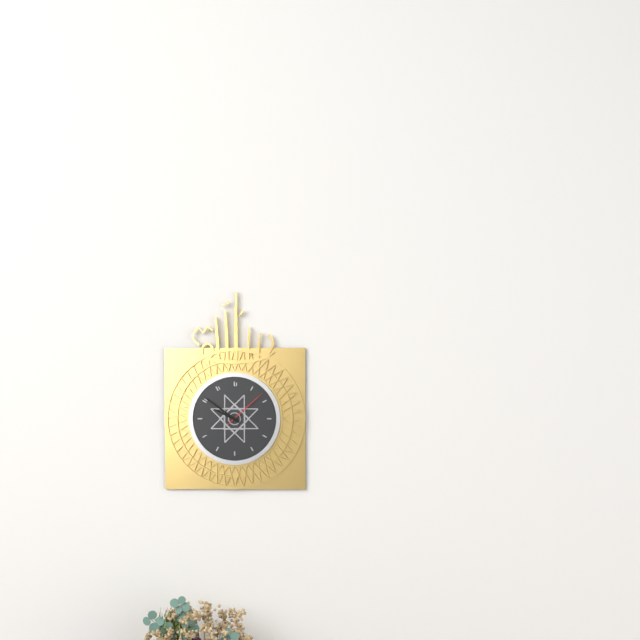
9:51
